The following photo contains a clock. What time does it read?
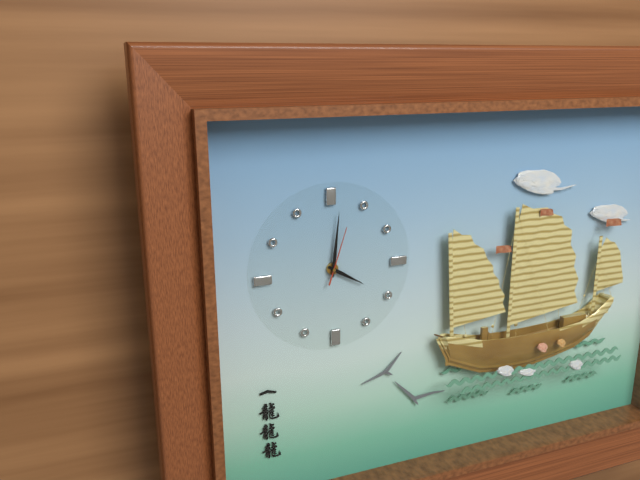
4:01:03
